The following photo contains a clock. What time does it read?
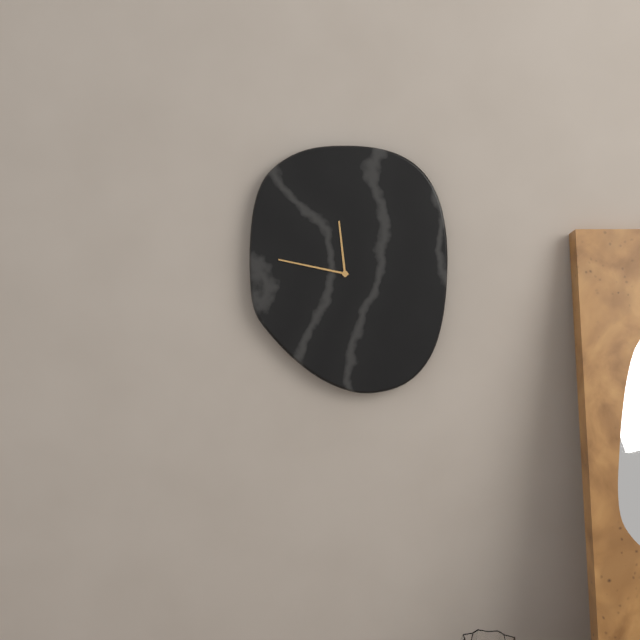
11:47
